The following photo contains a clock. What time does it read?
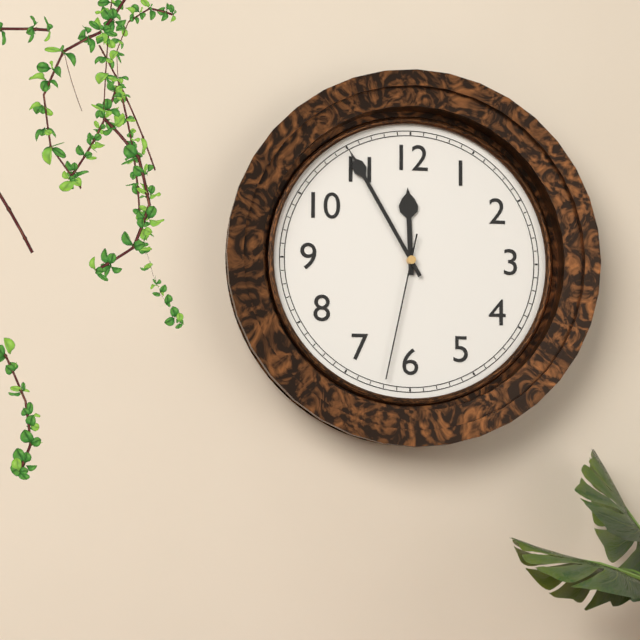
11:55:32
